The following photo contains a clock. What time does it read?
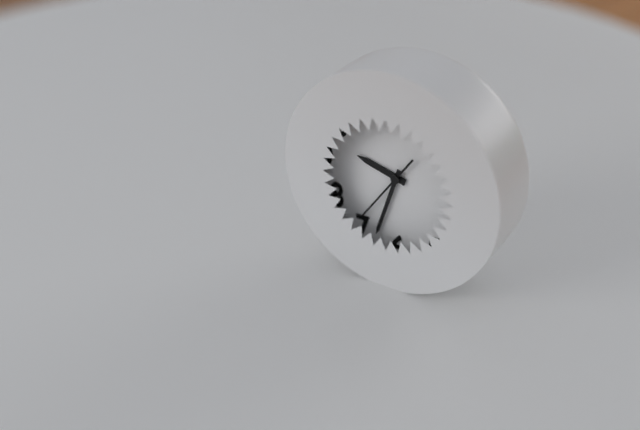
9:33:36
